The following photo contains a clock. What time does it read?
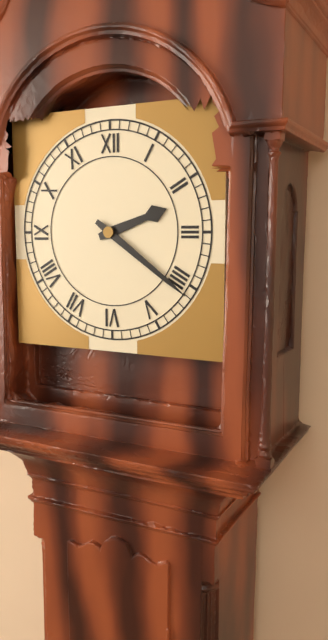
2:21
